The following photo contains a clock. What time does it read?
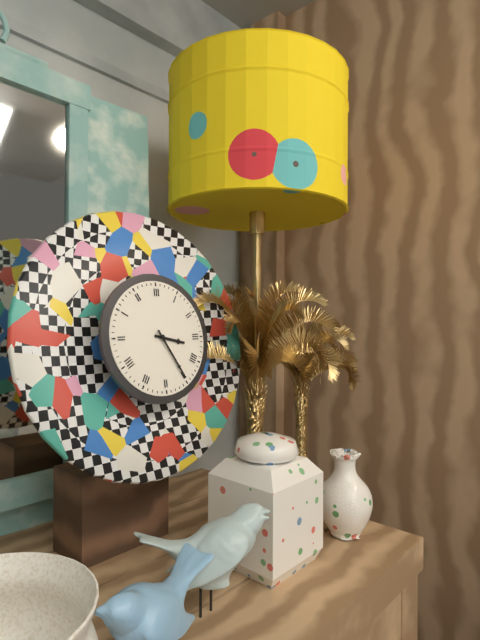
3:25
